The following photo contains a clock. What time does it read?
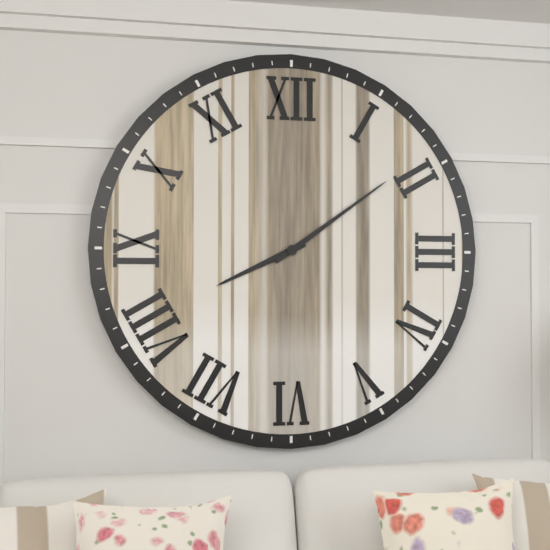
8:09
